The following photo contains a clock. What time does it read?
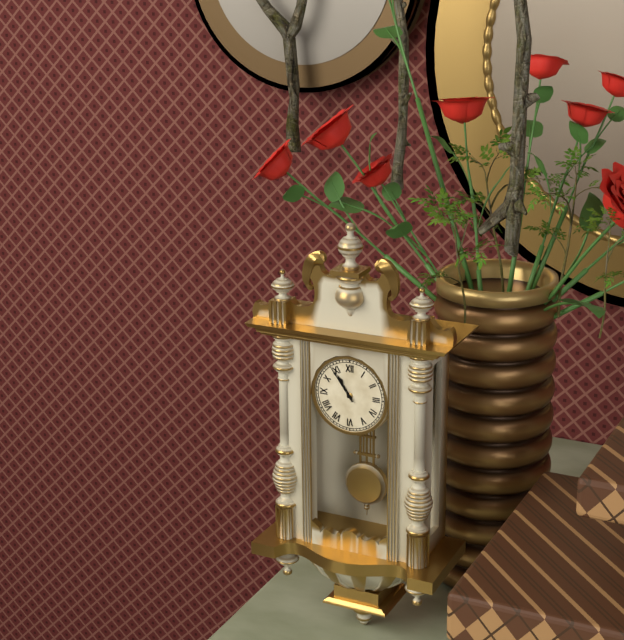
10:54
